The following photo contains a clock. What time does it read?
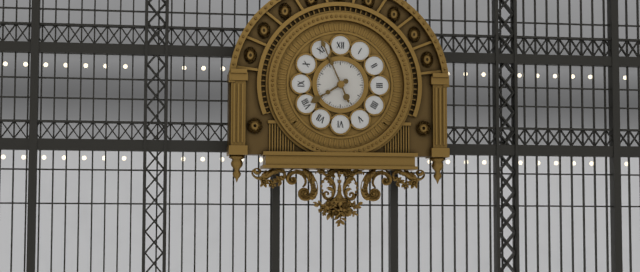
7:56
